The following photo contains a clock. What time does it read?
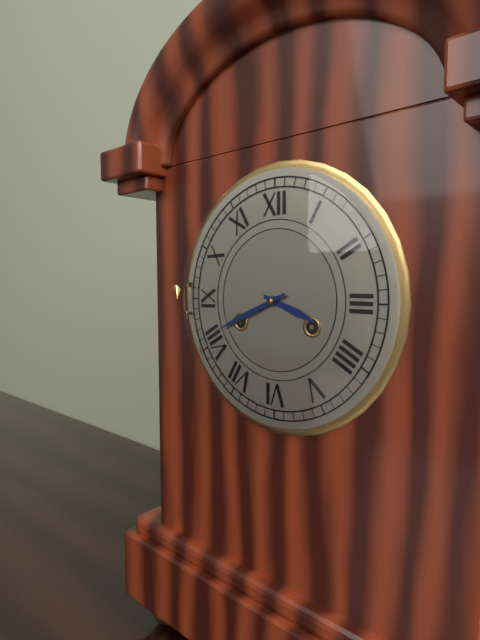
3:41
